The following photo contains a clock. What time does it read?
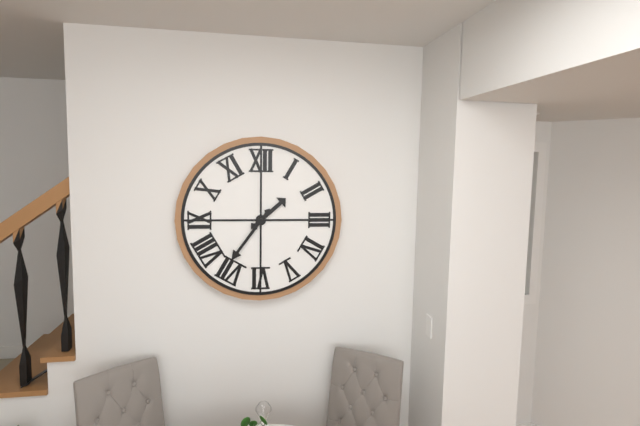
1:36
